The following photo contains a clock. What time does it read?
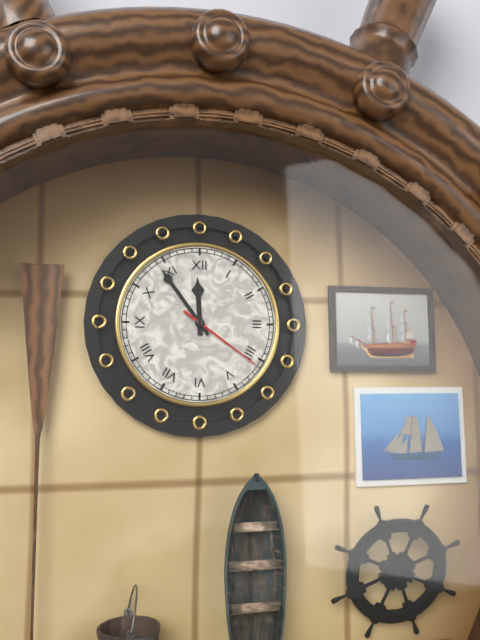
11:54:21
